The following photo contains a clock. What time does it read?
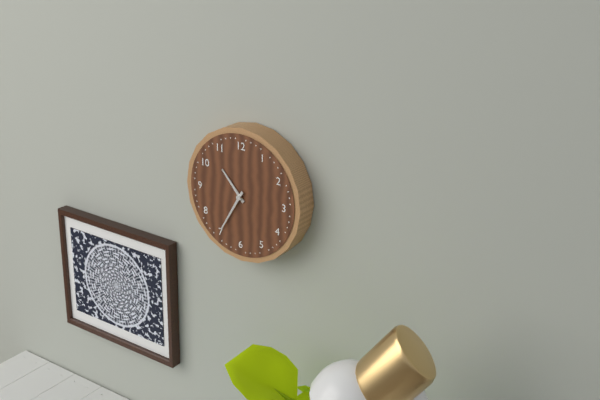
10:35
